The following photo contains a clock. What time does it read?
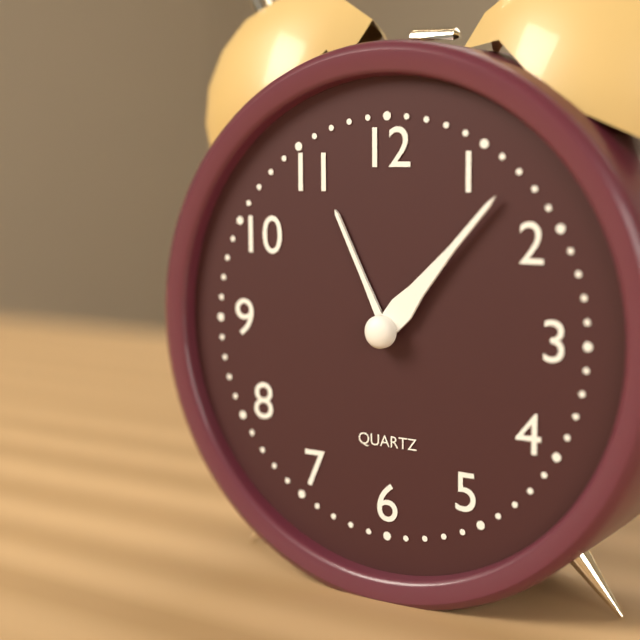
11:07
